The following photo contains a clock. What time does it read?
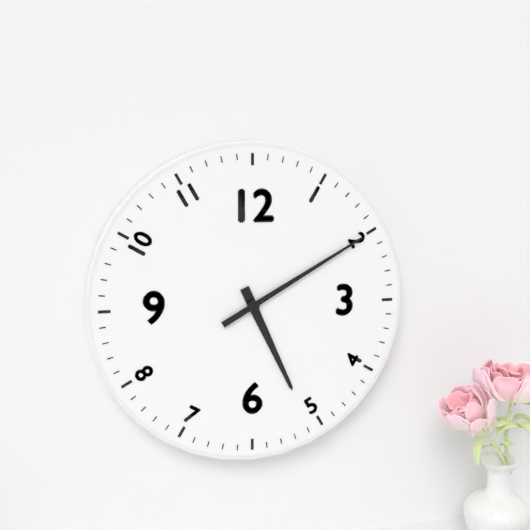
5:10
